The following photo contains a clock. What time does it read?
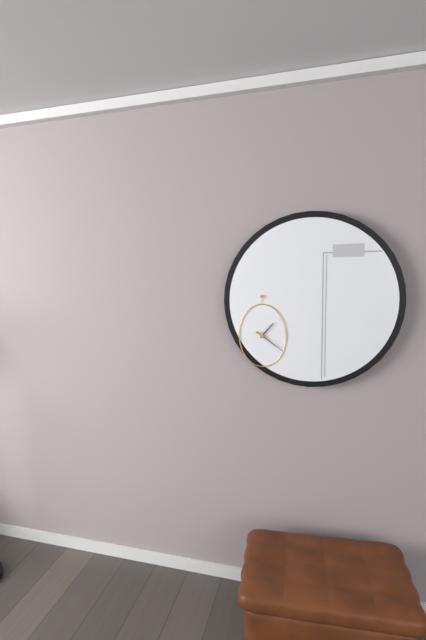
1:21
